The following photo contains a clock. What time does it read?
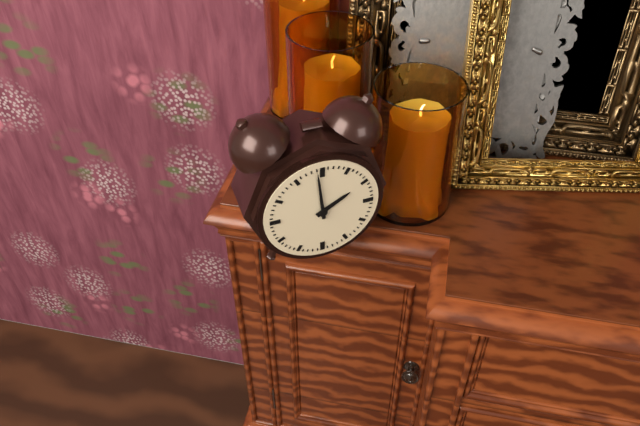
1:59
